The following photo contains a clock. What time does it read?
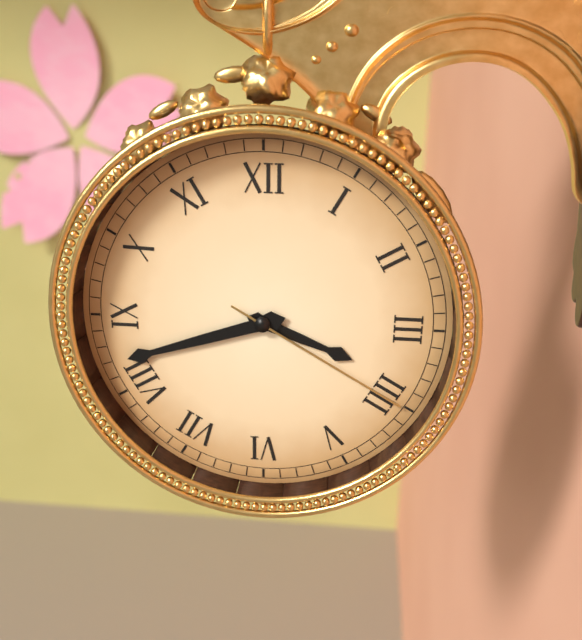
3:42:20
